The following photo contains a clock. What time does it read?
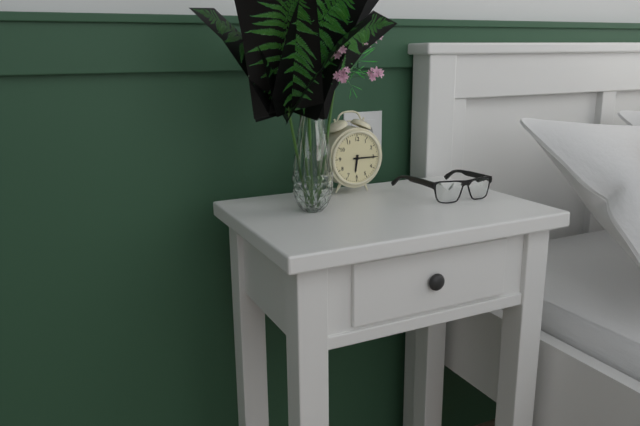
6:15
